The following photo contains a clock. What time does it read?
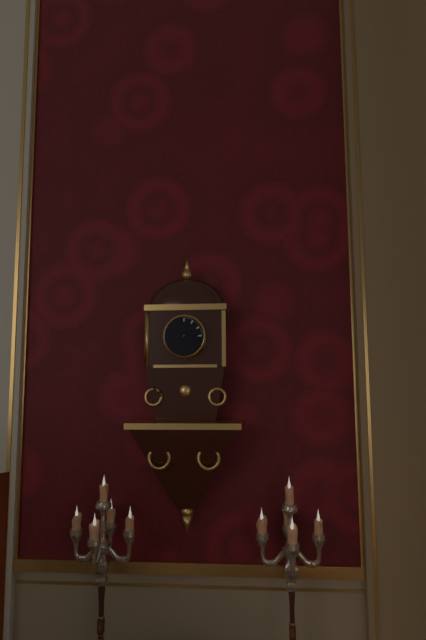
12:14
